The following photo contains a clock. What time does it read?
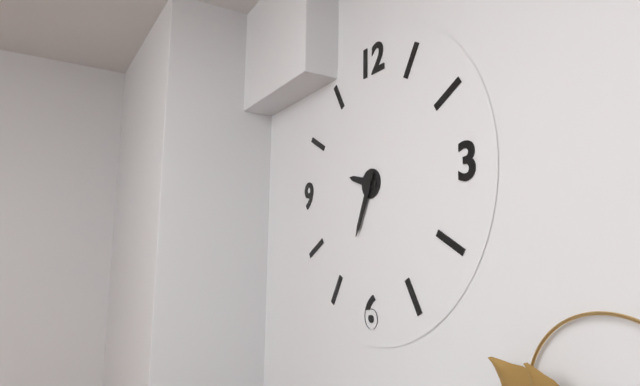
9:34
